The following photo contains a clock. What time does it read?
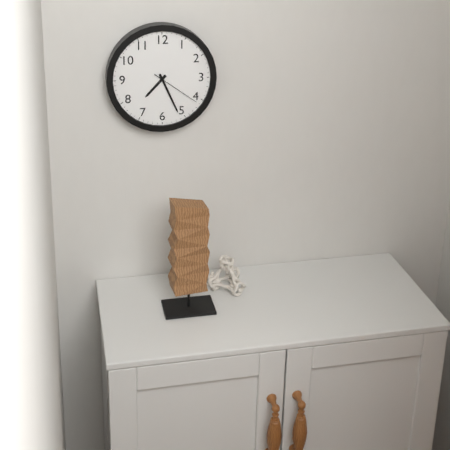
7:26:21
